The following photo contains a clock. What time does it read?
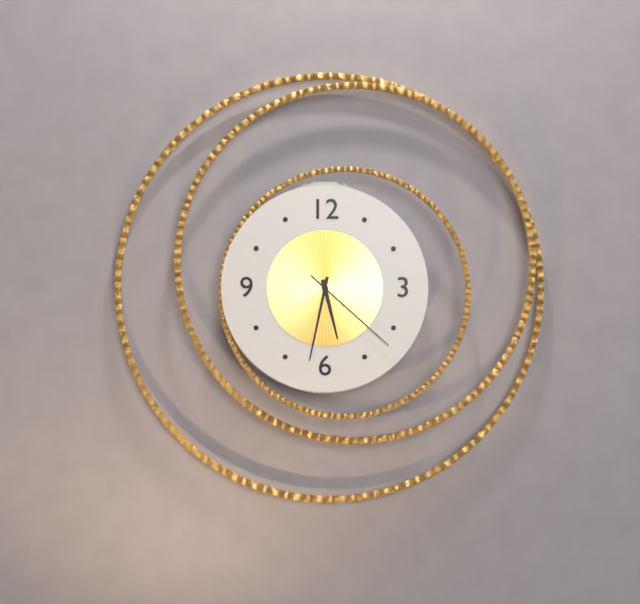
5:32:22
